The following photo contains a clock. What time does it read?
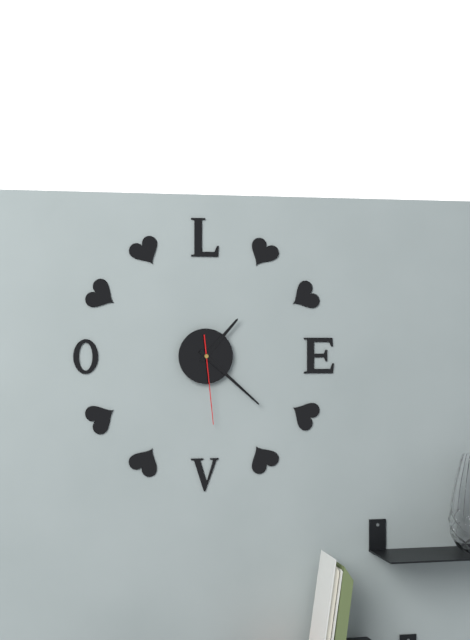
1:22:29
